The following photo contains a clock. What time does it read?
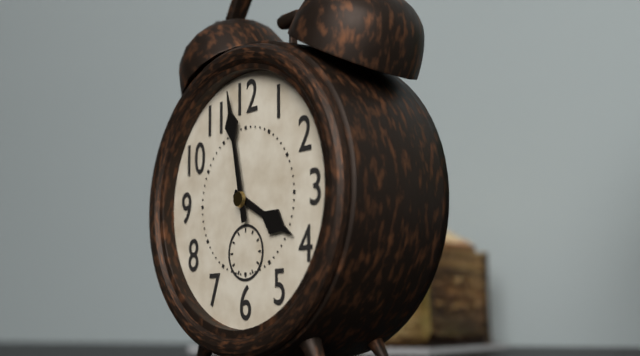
3:58
